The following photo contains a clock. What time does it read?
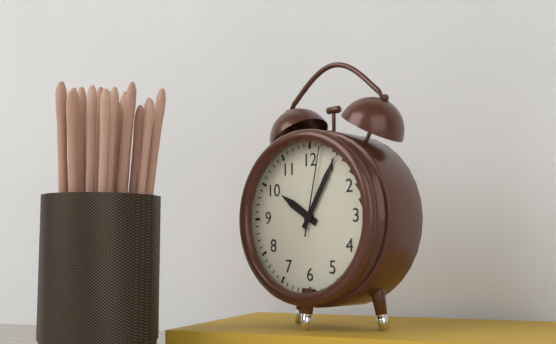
10:05:02
